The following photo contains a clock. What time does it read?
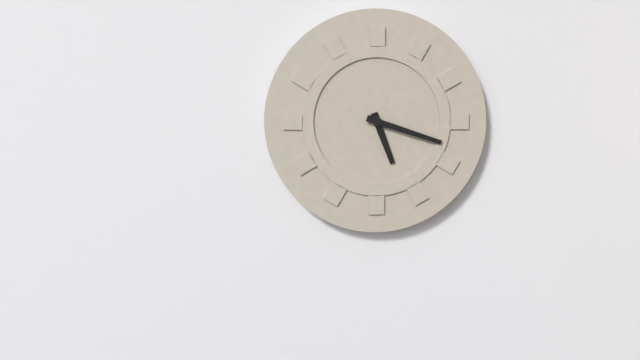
5:18
